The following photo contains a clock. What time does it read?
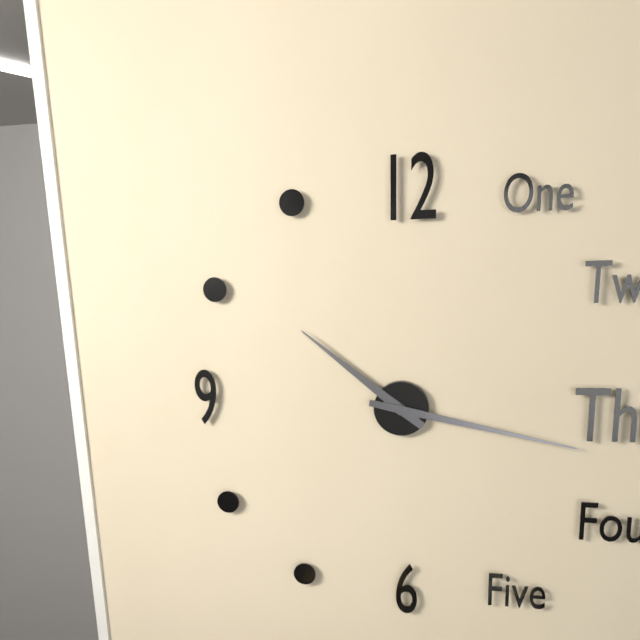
10:17
